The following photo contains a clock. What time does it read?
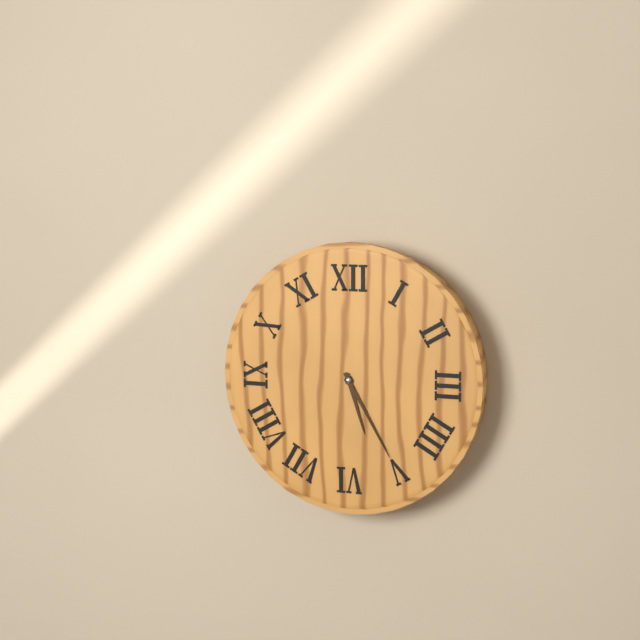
5:25
